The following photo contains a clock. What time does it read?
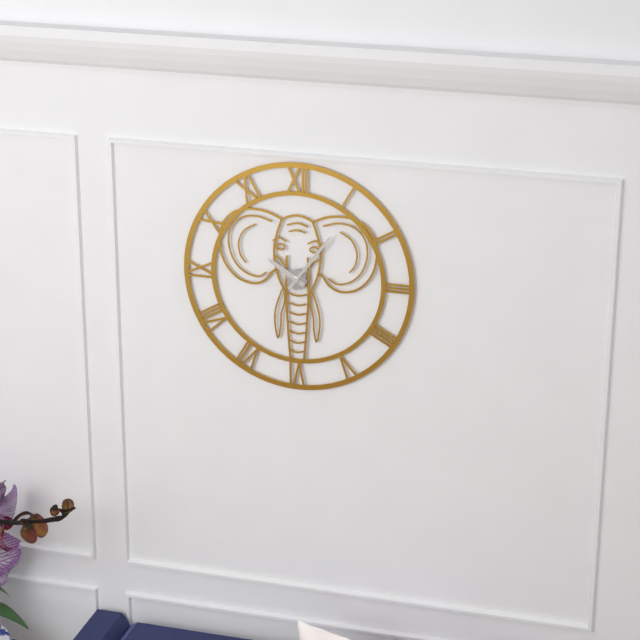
10:06
